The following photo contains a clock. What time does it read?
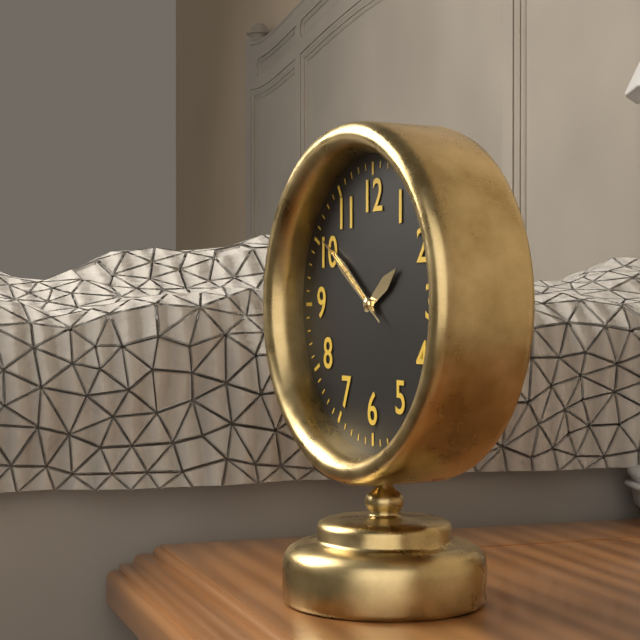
1:51:51
